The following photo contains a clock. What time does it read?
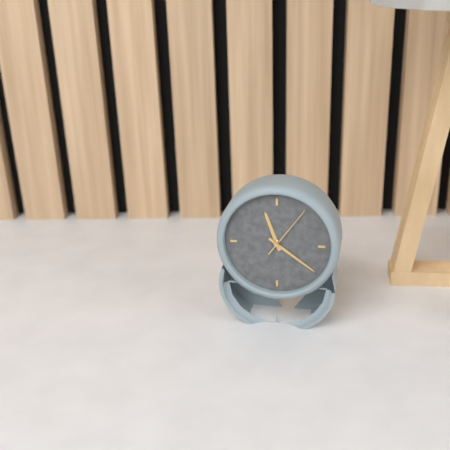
11:21:06
